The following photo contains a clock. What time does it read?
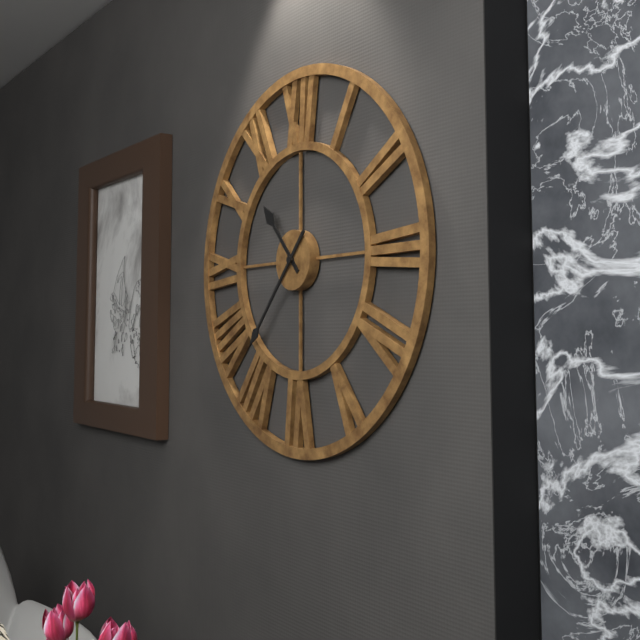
10:37
